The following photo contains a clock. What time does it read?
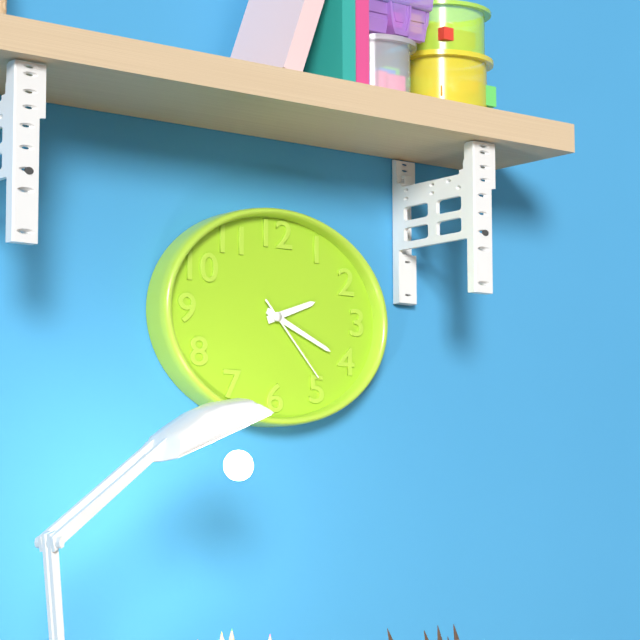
2:19:23
